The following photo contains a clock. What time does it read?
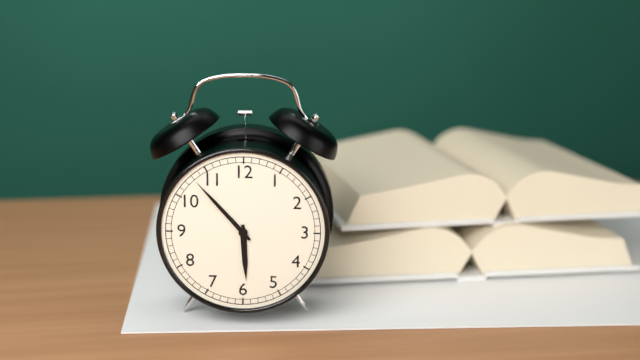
5:53
